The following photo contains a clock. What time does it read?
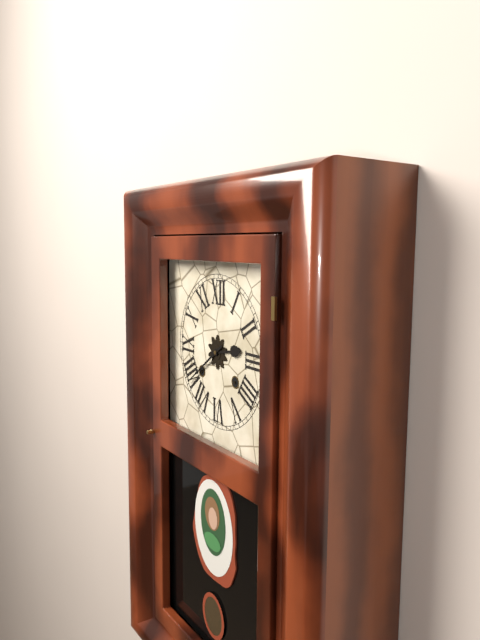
2:39
